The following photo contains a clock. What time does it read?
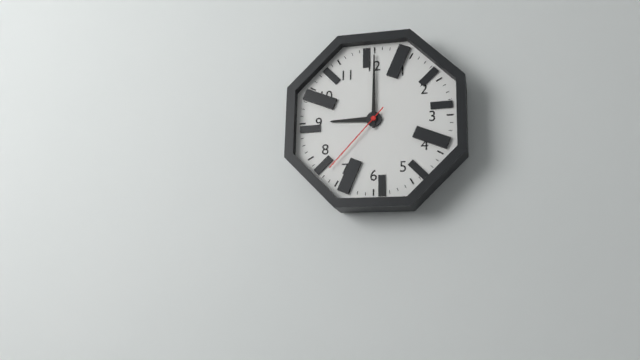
9:00:37
